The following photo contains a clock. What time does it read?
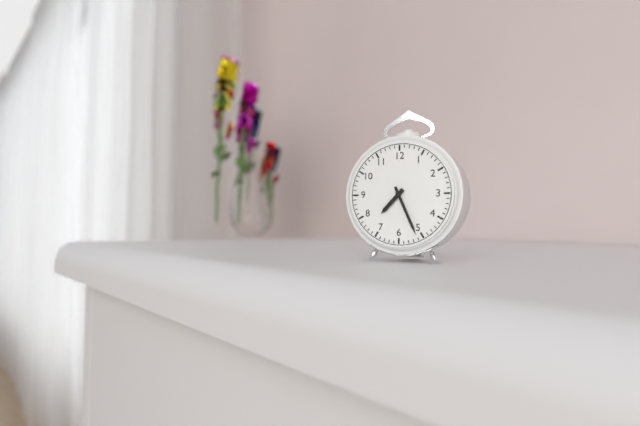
7:26
